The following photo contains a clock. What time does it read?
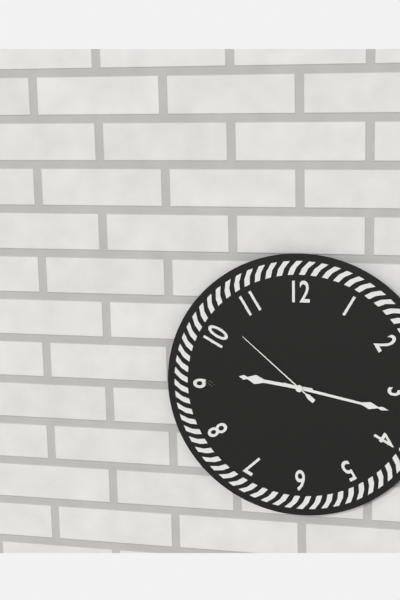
9:17:52
